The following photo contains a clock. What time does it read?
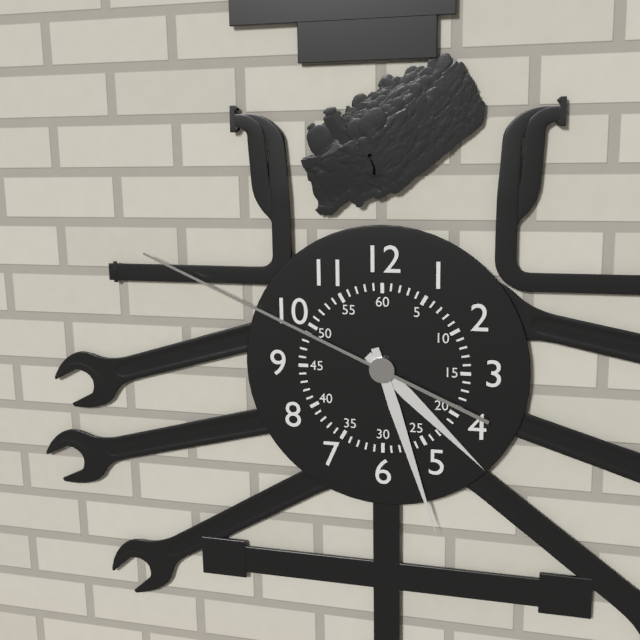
4:27:49
